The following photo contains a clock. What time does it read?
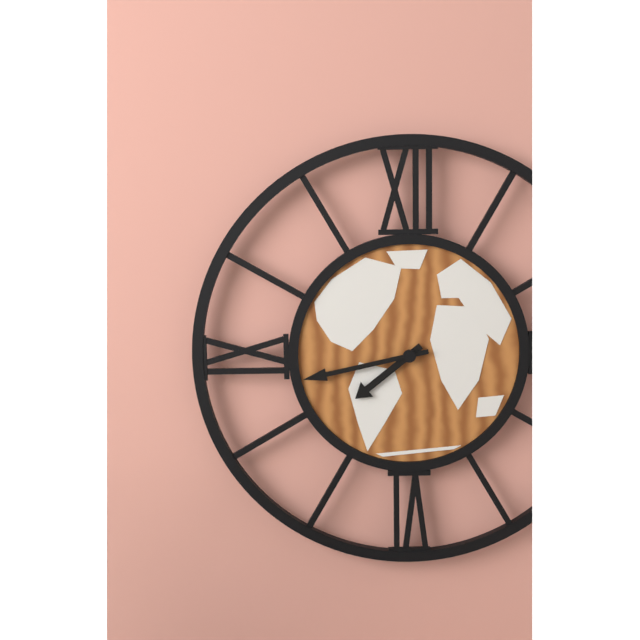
7:43
